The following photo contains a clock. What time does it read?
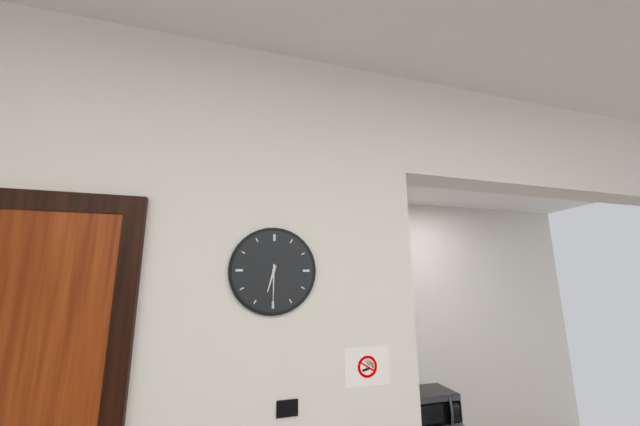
6:30
